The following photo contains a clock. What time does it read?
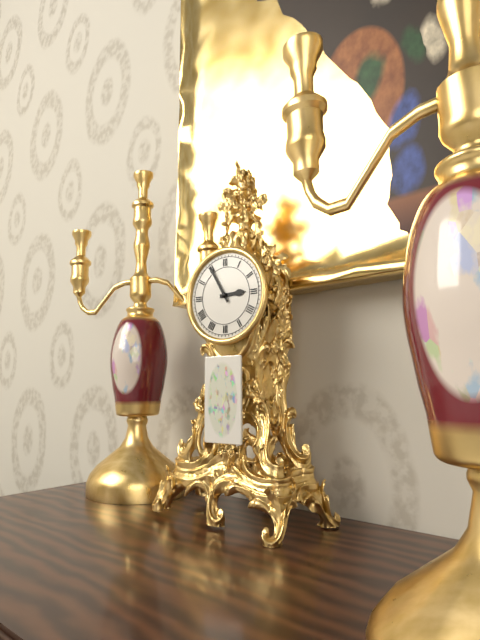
2:55
